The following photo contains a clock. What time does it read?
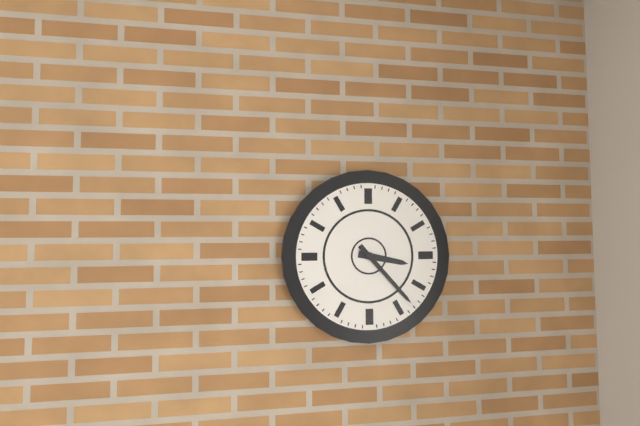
3:23
